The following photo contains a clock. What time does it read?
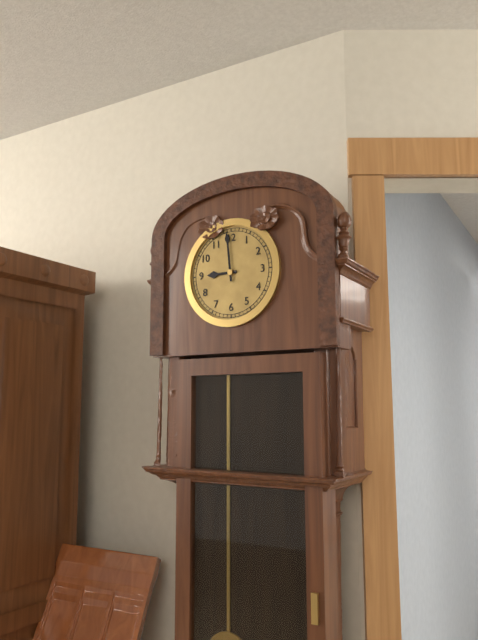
8:59
